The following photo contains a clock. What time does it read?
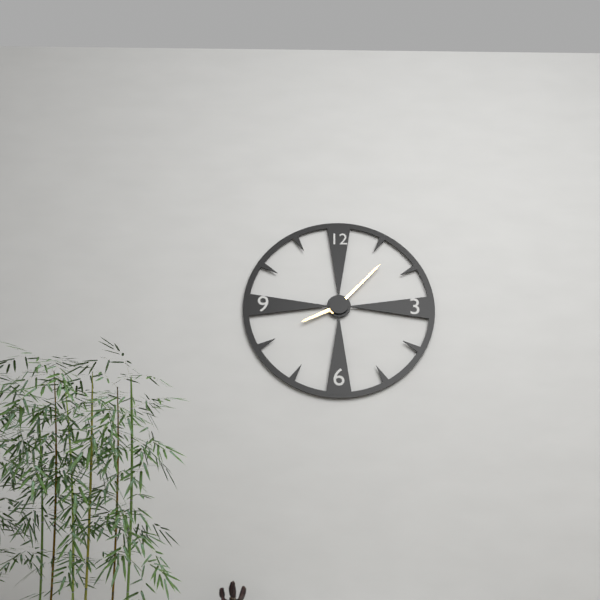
8:07
